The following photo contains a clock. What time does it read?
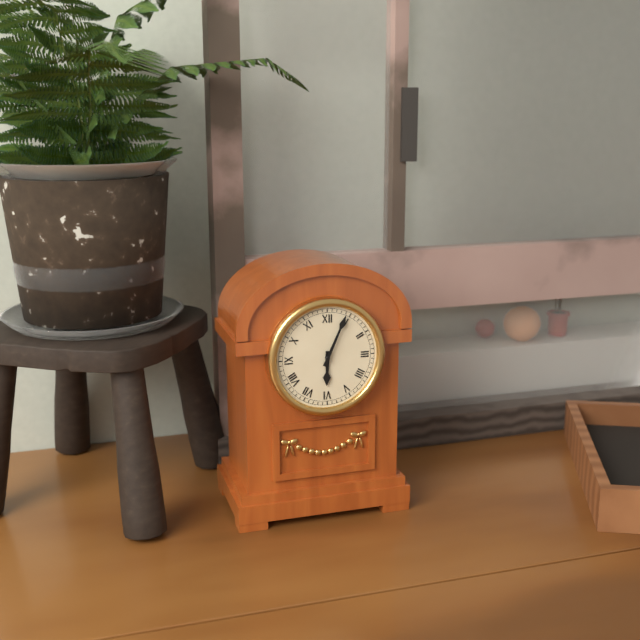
6:04
